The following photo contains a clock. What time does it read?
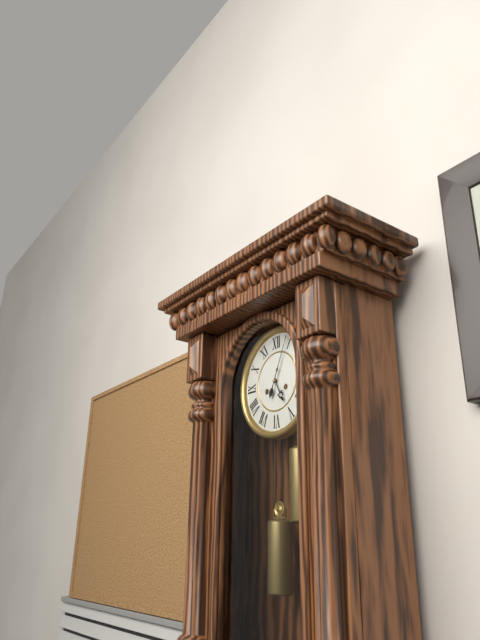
5:04
